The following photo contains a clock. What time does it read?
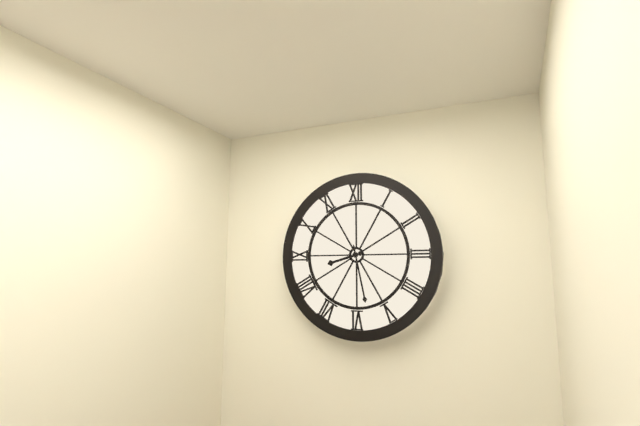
8:28
